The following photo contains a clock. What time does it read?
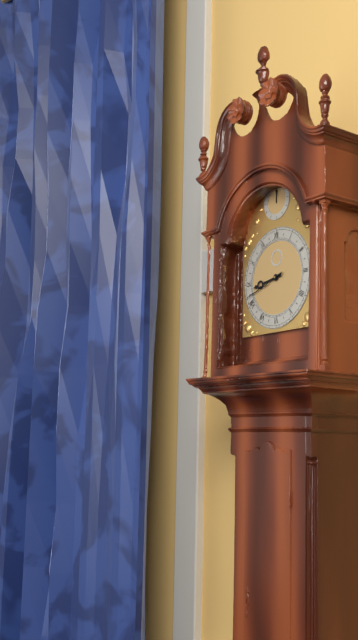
8:42
